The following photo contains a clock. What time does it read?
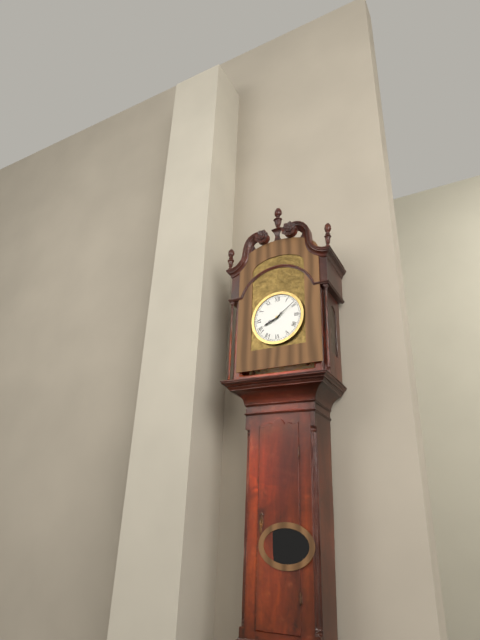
8:09
